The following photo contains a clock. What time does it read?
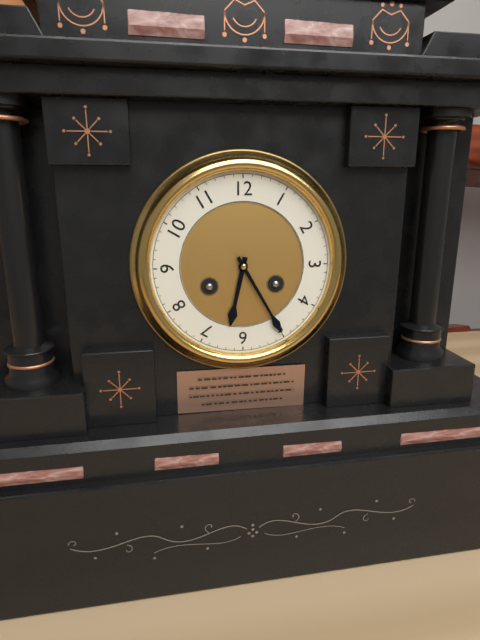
6:25
